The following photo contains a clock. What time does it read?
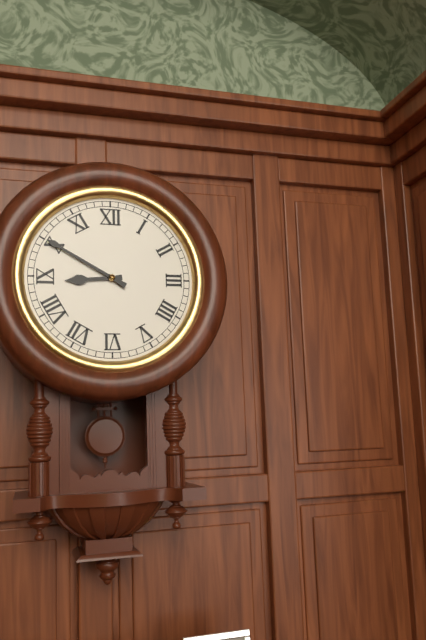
8:50
